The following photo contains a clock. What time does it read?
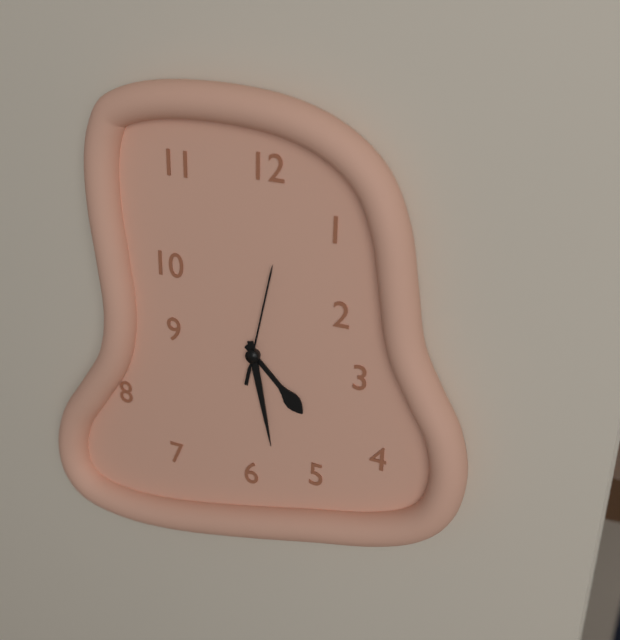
4:28:02
